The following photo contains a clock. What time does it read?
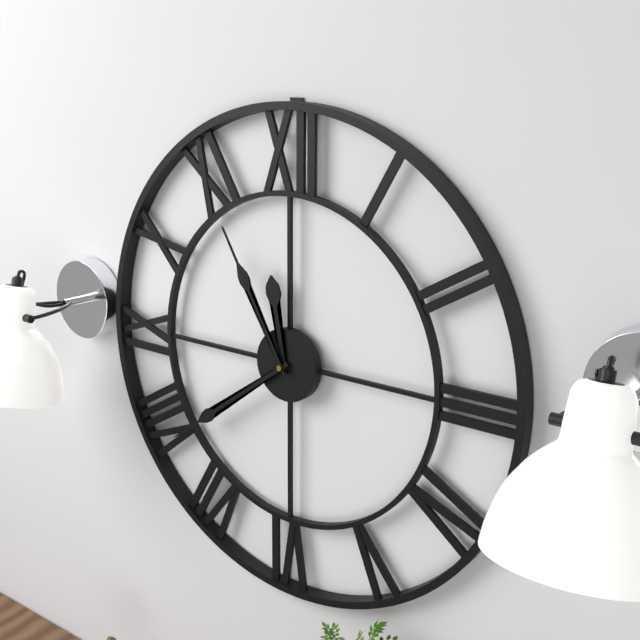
11:39:55
